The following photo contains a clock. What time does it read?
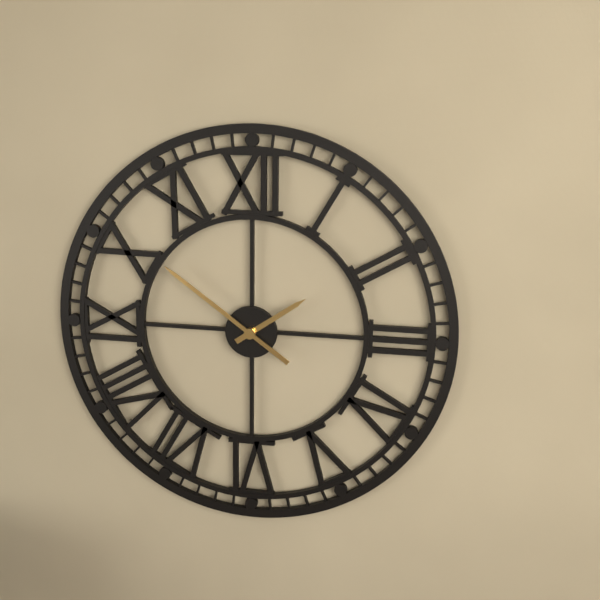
1:51
